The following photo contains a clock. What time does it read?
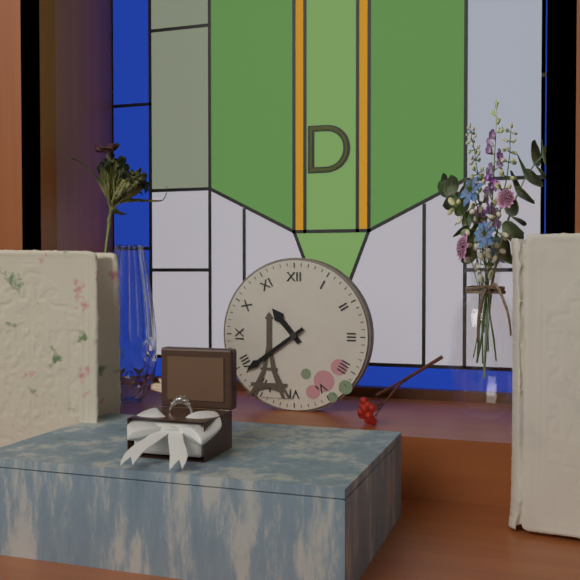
10:39
